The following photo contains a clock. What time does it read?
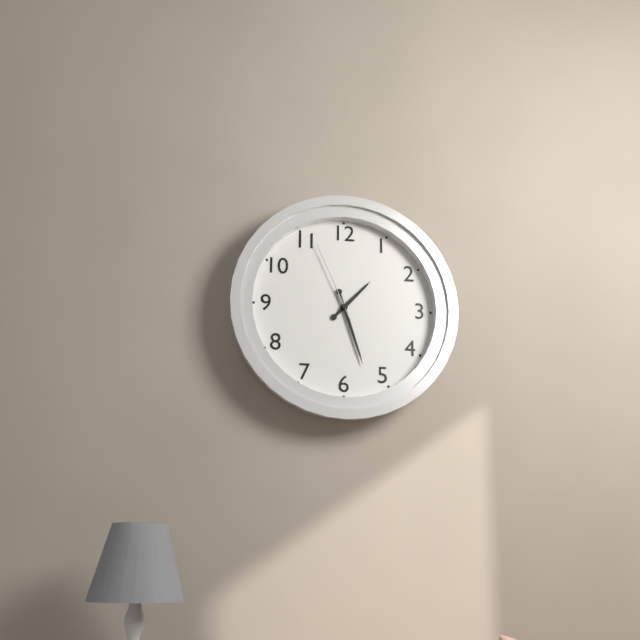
1:27:56
